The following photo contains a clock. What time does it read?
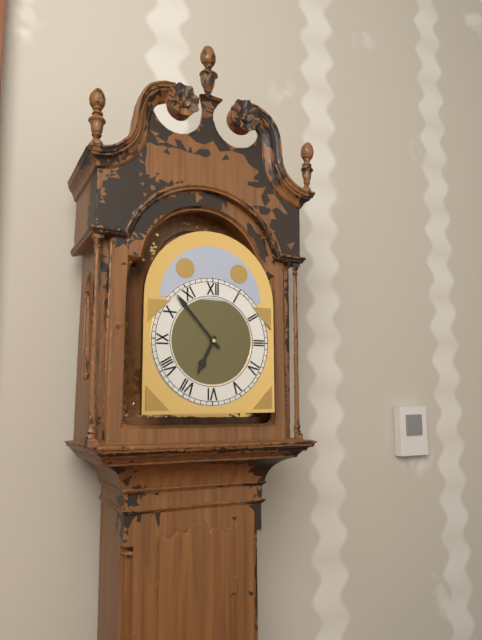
6:53
